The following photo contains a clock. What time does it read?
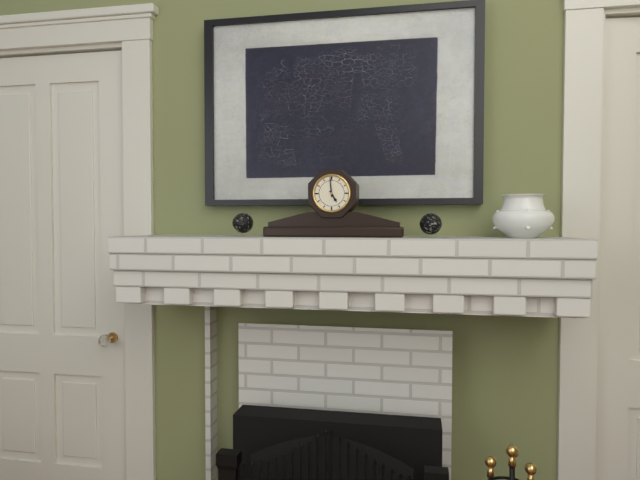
4:59
